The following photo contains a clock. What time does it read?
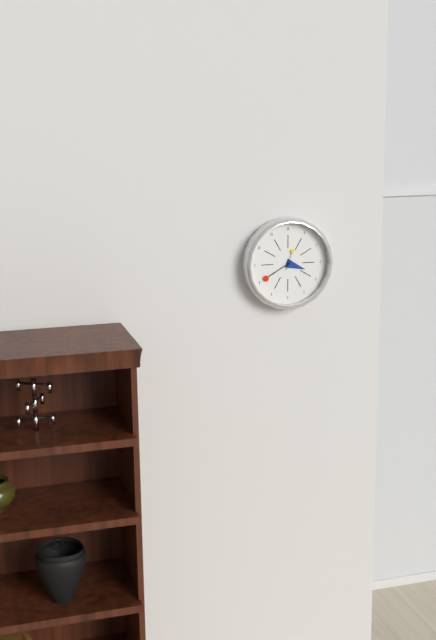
3:40
